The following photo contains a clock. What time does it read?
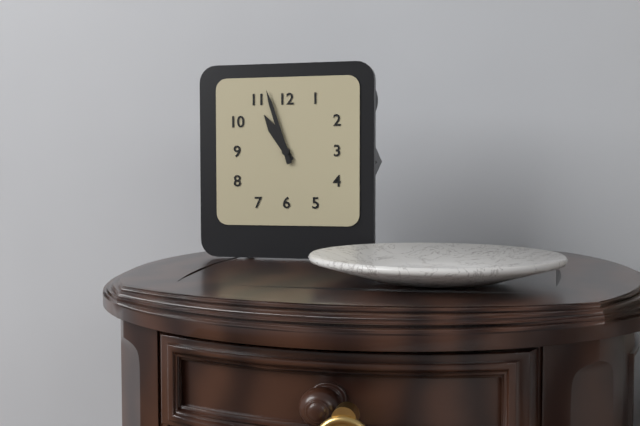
10:57
